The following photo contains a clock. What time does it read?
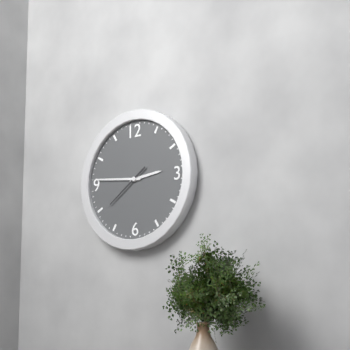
2:46
